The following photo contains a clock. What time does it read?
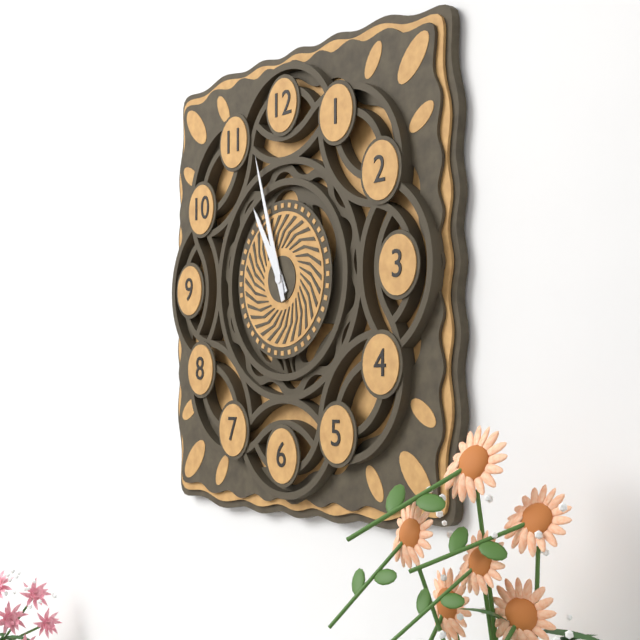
10:57
